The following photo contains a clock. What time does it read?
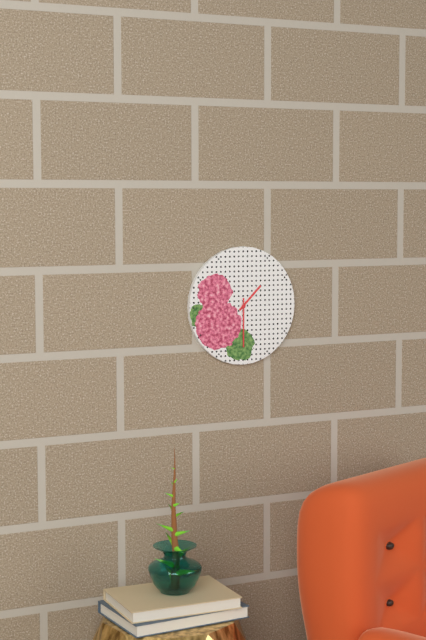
1:30
